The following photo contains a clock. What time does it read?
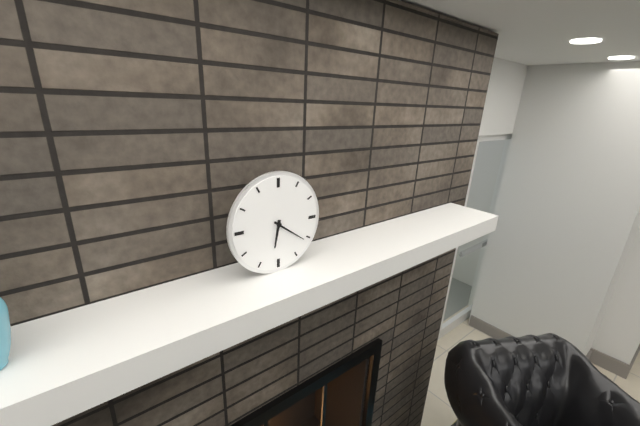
6:21
